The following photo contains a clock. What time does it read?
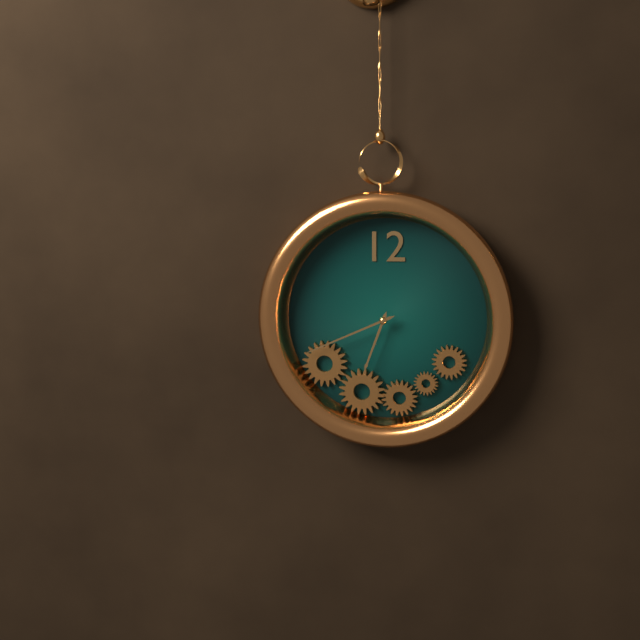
6:41
